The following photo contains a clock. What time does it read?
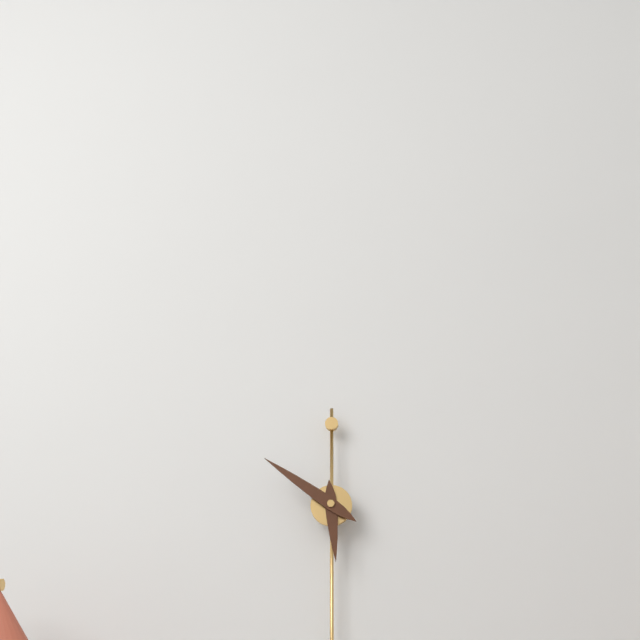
5:51
